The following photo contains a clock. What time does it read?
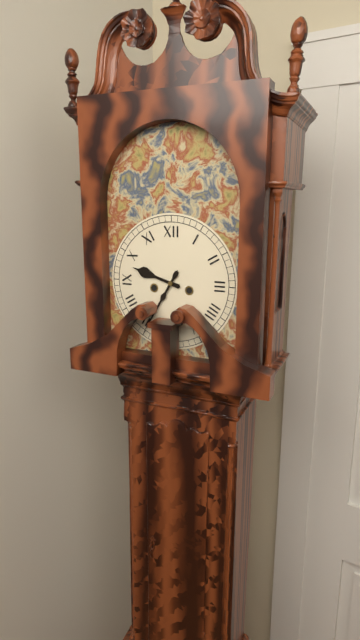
9:35
